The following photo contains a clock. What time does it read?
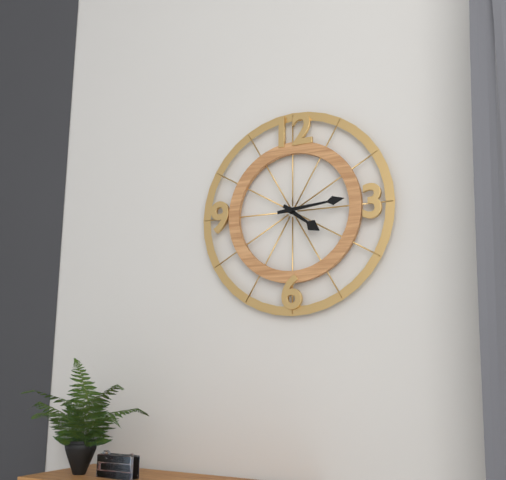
4:14
